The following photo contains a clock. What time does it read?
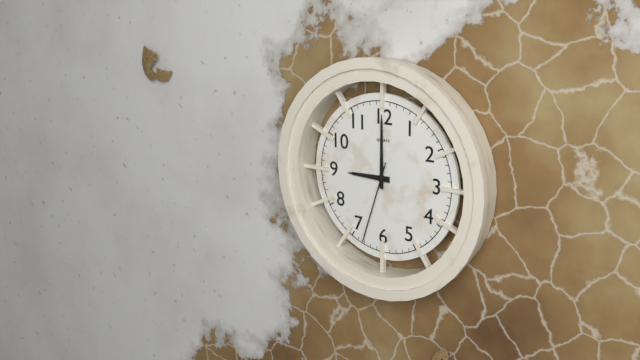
9:00:33
